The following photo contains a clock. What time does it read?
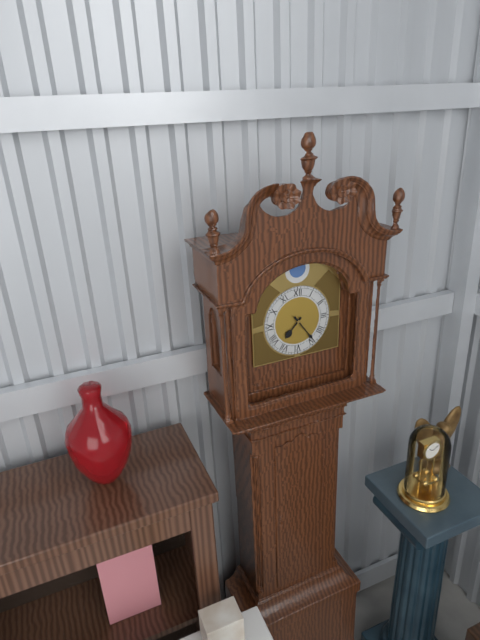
7:24
